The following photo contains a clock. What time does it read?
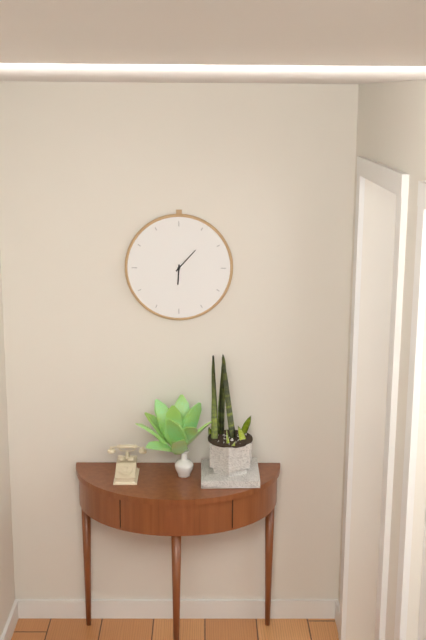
6:07
